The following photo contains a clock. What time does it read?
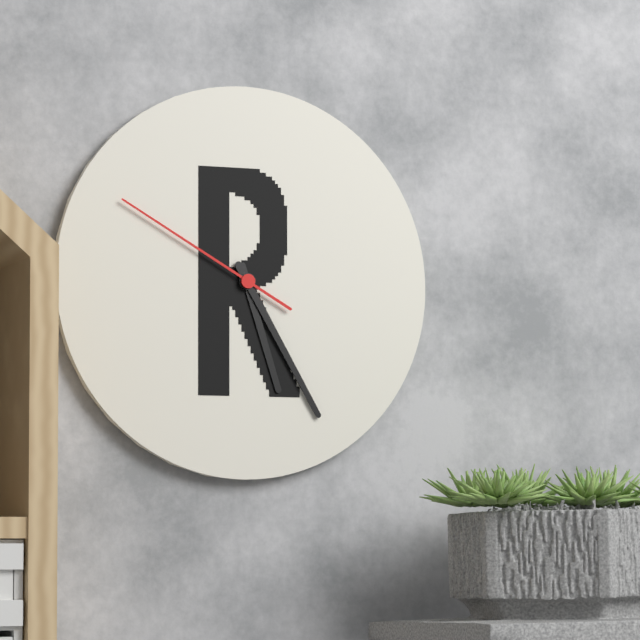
5:25:50
